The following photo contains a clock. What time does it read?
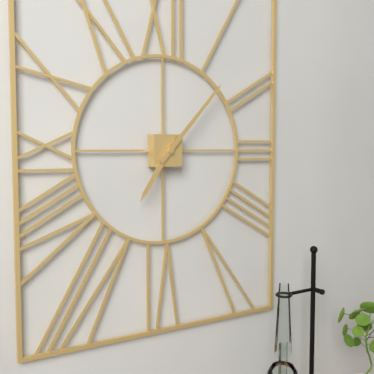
7:07
